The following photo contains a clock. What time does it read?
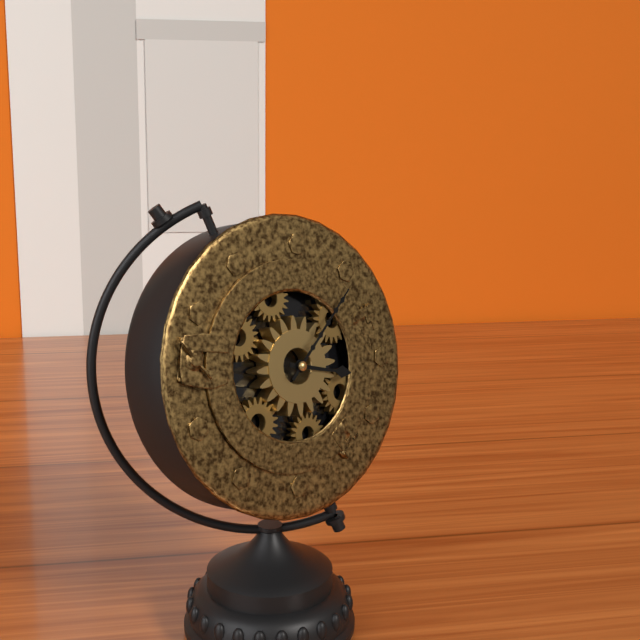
3:06
